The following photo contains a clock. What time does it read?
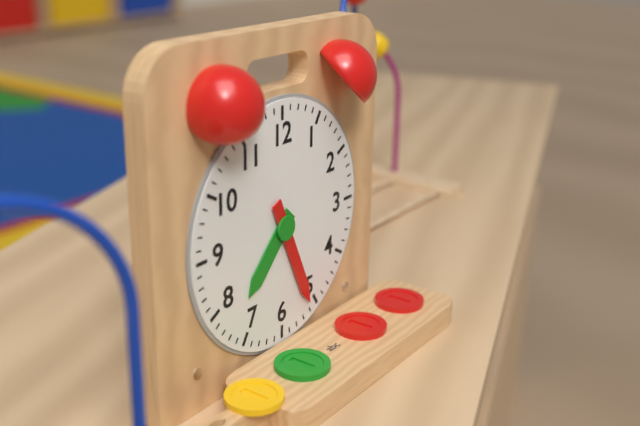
7:26
